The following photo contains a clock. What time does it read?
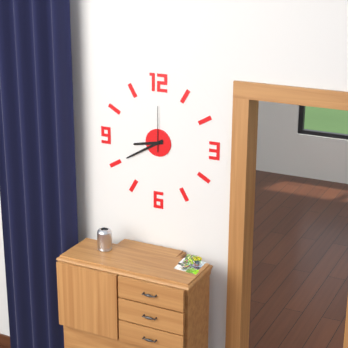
8:40
